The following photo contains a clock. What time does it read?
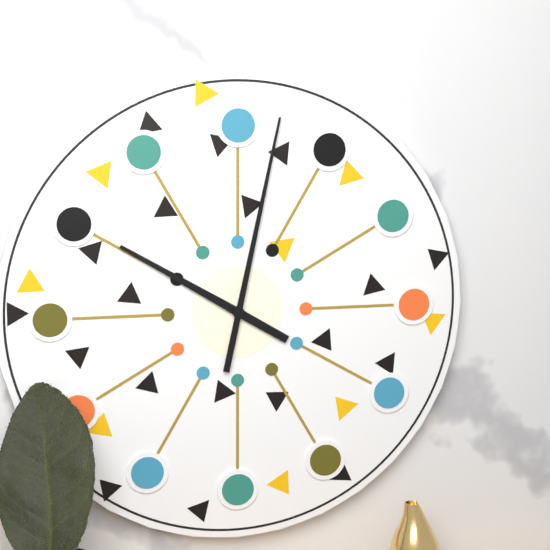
10:02
